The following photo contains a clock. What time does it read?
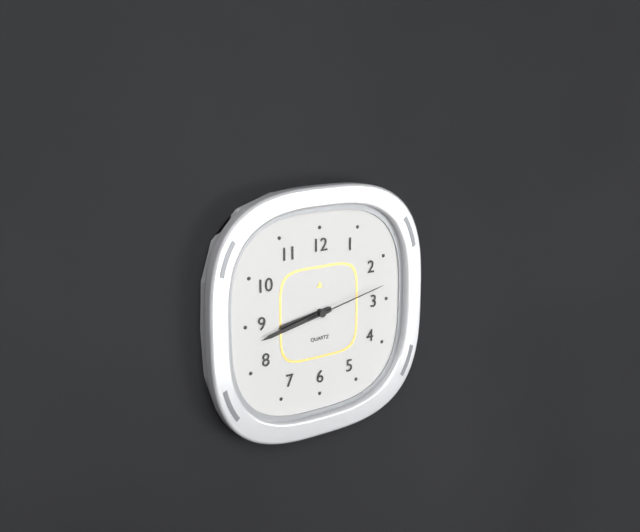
8:43:13
